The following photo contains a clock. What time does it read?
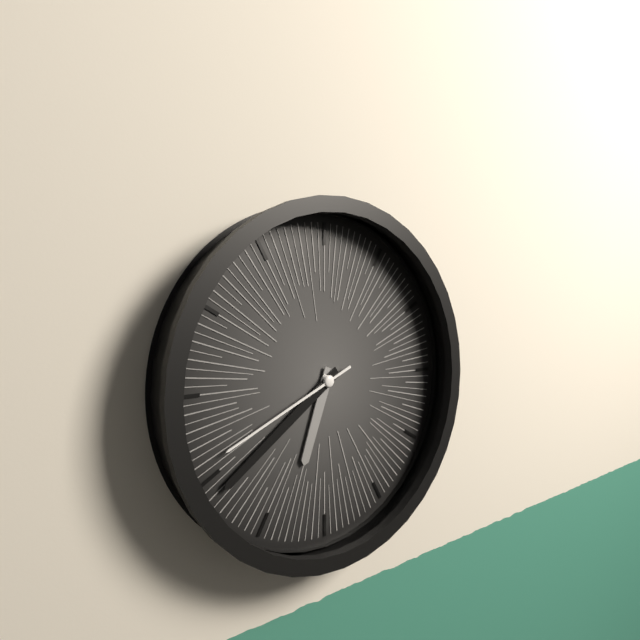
6:39:41
